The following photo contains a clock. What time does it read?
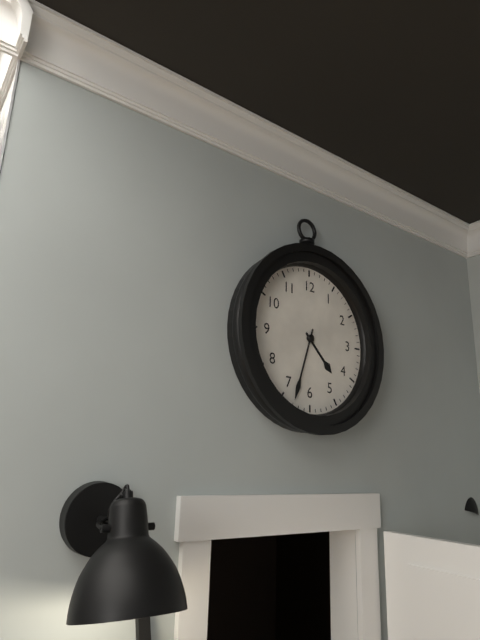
4:33
